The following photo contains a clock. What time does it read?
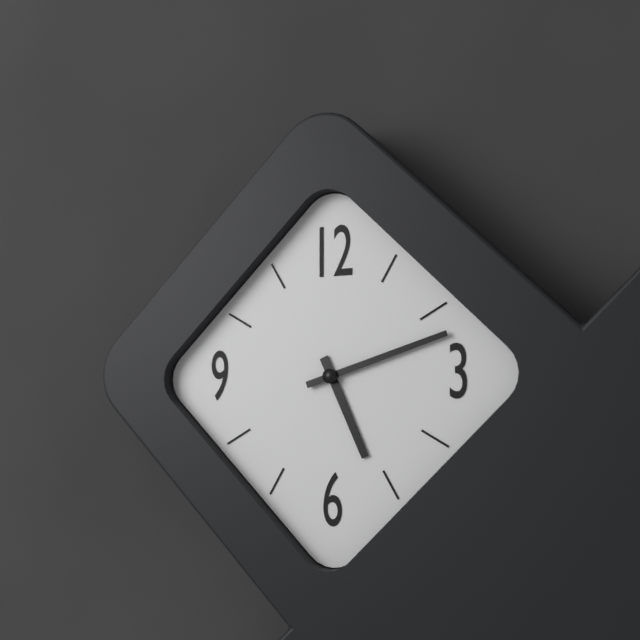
5:12
